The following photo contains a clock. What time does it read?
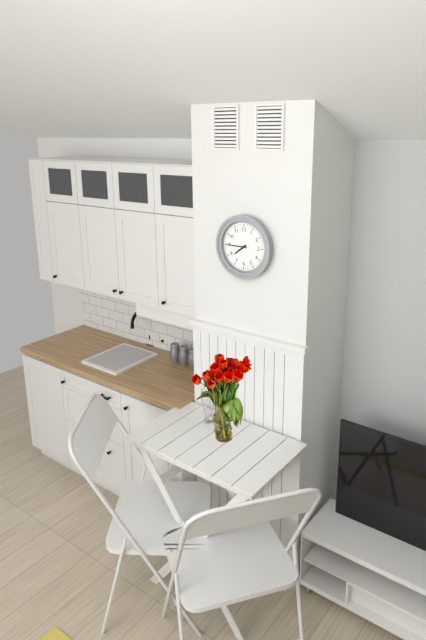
7:45
